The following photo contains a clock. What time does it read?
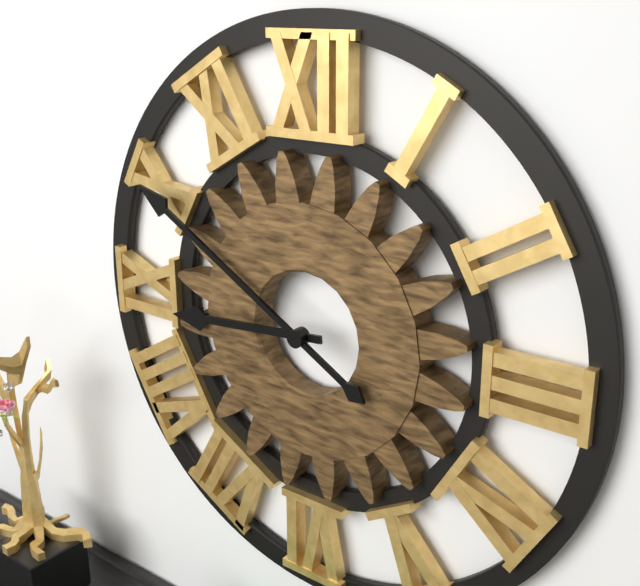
8:50
